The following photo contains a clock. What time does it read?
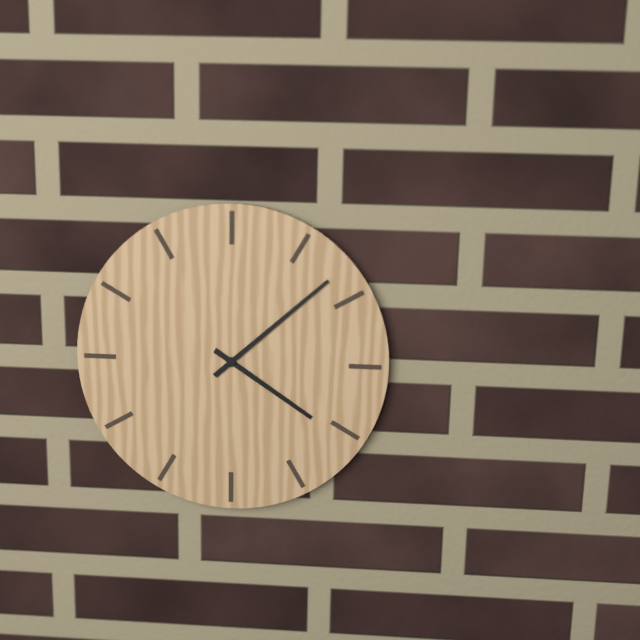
4:08
